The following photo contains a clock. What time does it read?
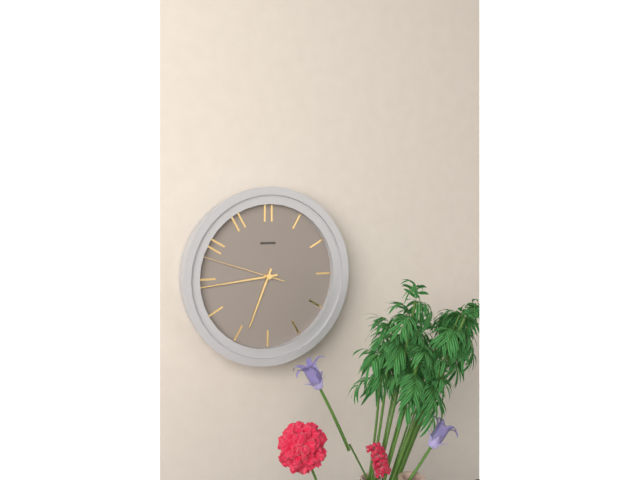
6:44:48
